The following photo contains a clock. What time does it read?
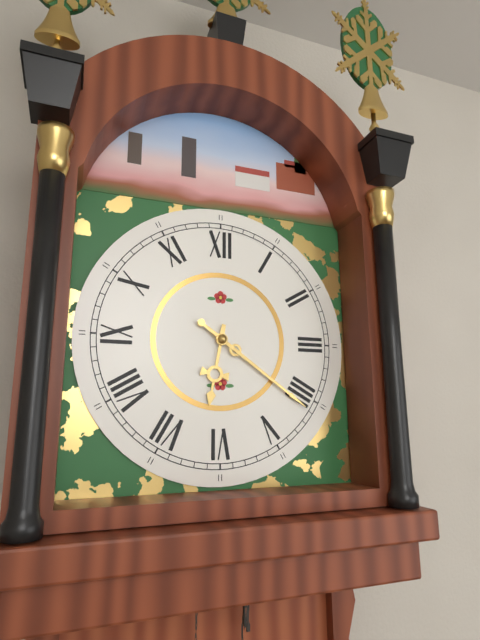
6:21
